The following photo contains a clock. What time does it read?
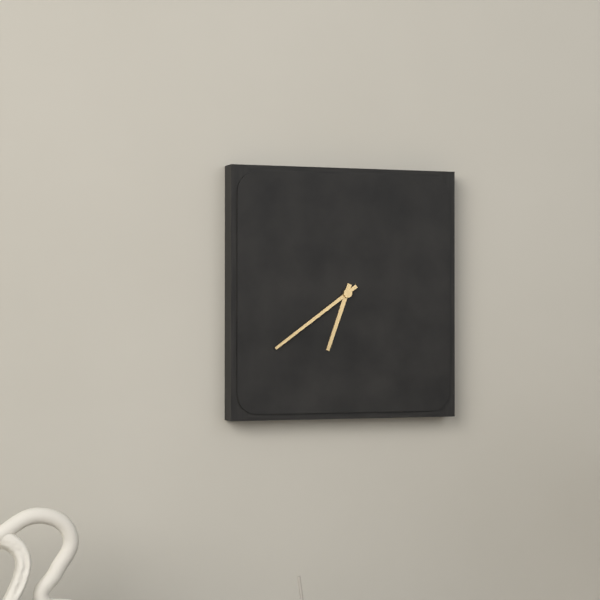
6:39
